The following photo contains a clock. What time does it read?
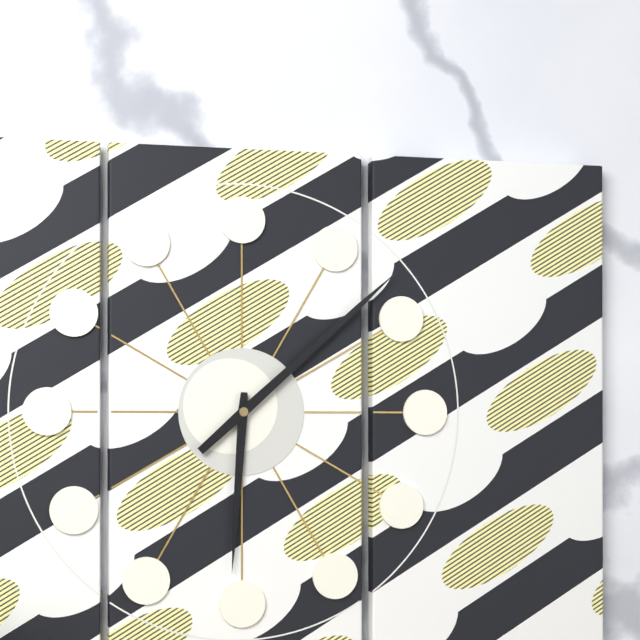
6:08
